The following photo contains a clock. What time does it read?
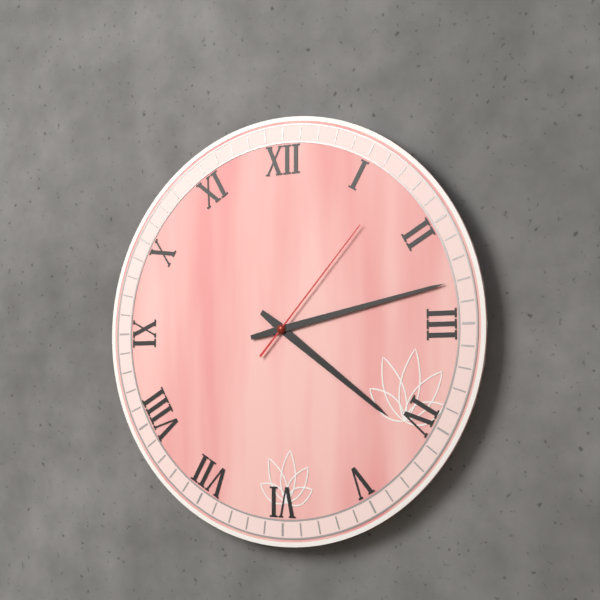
4:13:07
